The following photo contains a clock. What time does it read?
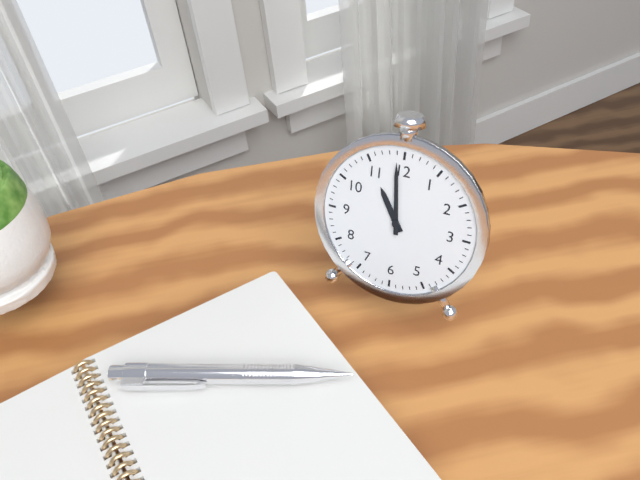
10:59
